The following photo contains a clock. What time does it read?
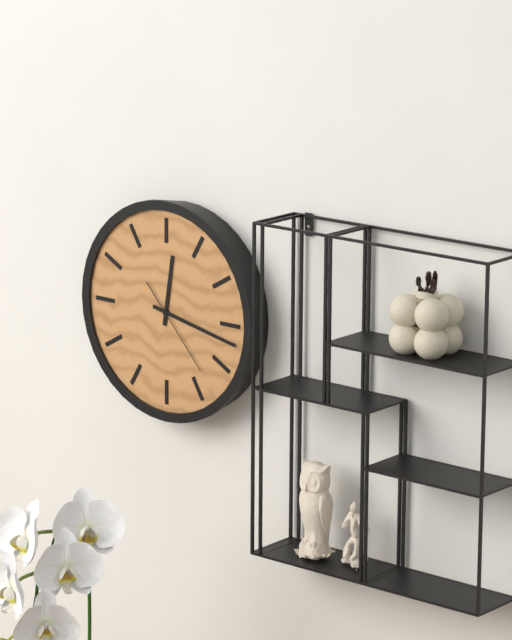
12:17:23
